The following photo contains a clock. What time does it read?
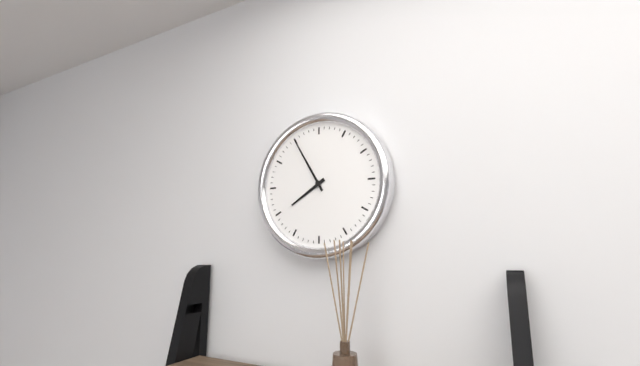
7:55
